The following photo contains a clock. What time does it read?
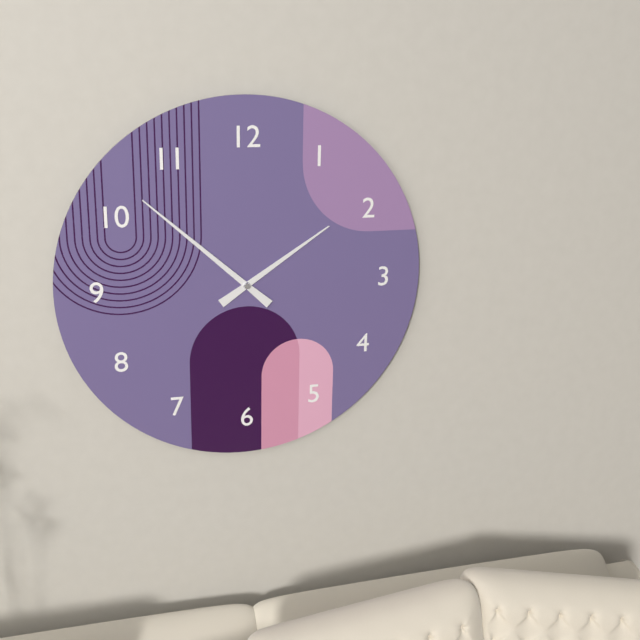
1:52
